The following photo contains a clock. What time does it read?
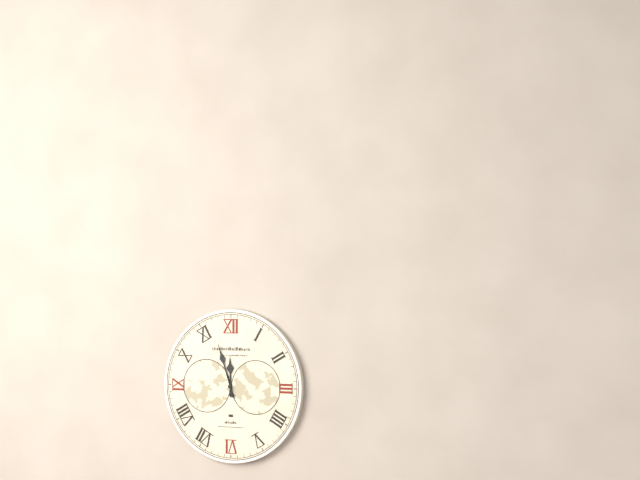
11:57
